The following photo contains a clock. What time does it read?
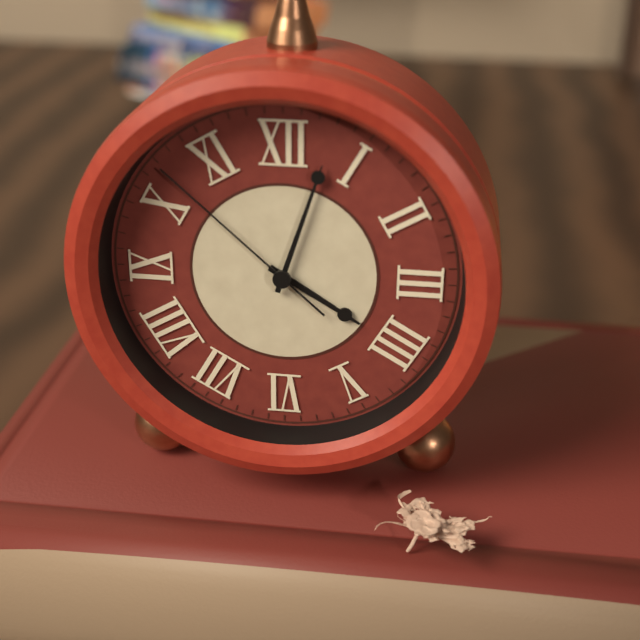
4:03:52
